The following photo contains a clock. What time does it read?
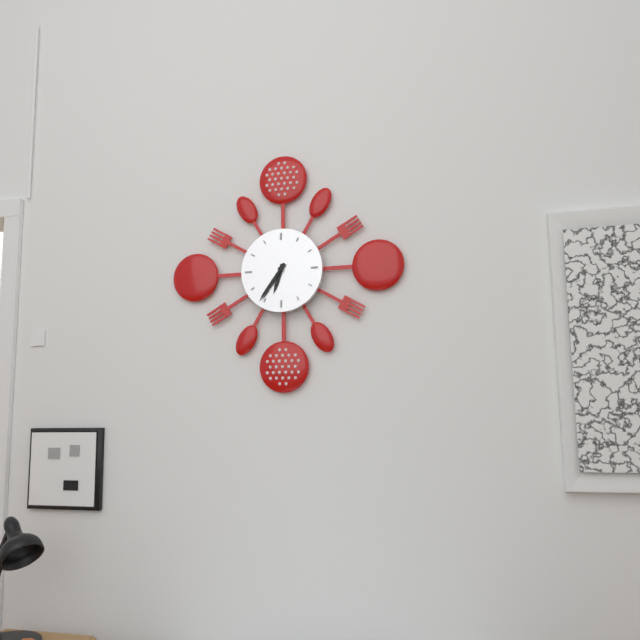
6:36
